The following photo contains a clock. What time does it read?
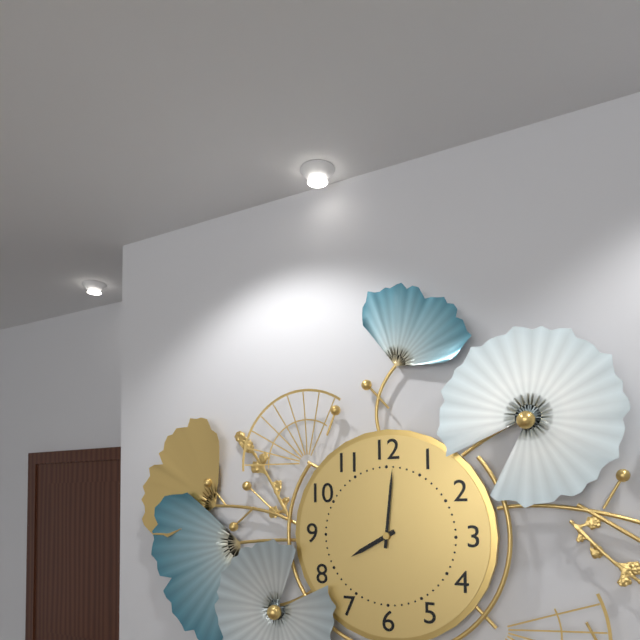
8:01
